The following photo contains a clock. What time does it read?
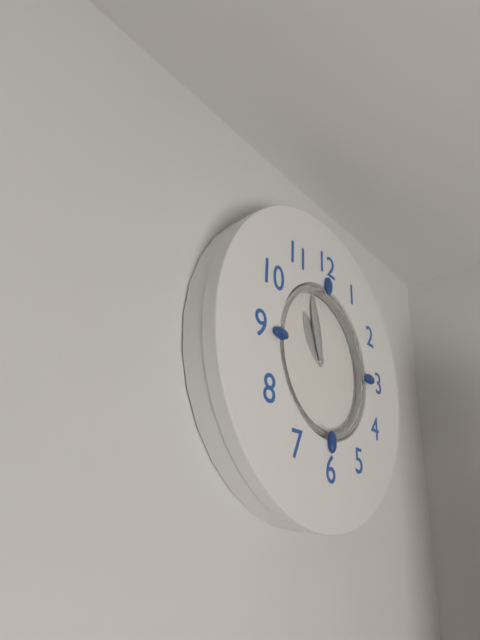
10:58
